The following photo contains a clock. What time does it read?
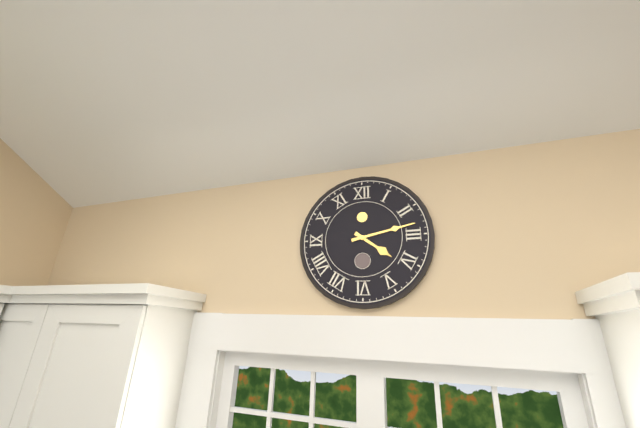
4:13
